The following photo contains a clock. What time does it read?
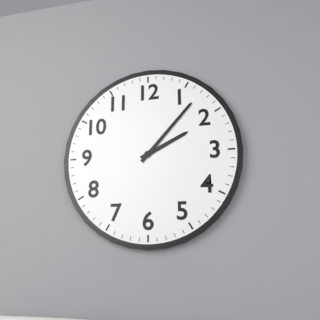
2:07
